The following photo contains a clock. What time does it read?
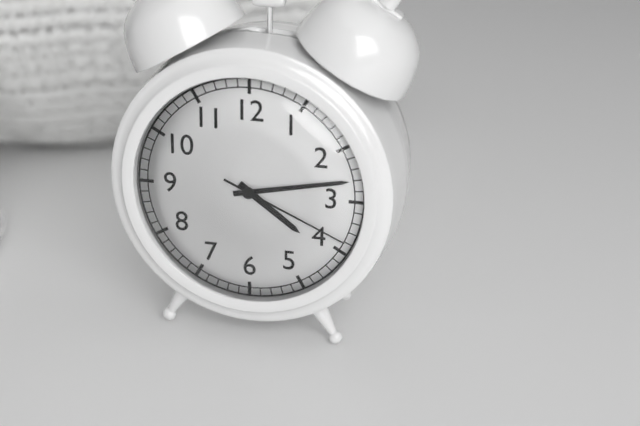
4:13:19
